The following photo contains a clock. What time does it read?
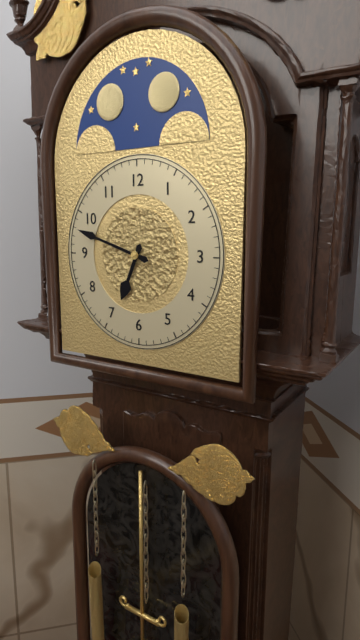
6:48
